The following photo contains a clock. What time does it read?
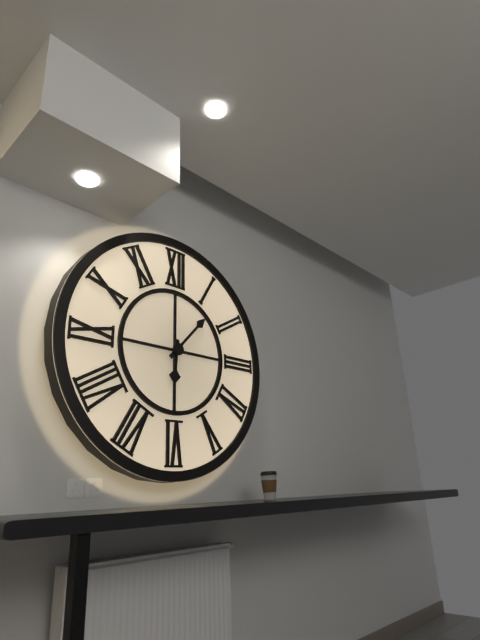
6:07
